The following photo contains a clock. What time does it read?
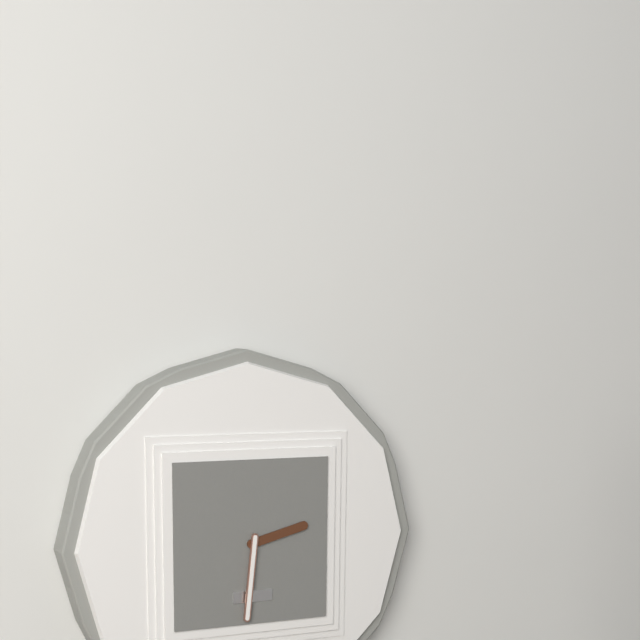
2:31
